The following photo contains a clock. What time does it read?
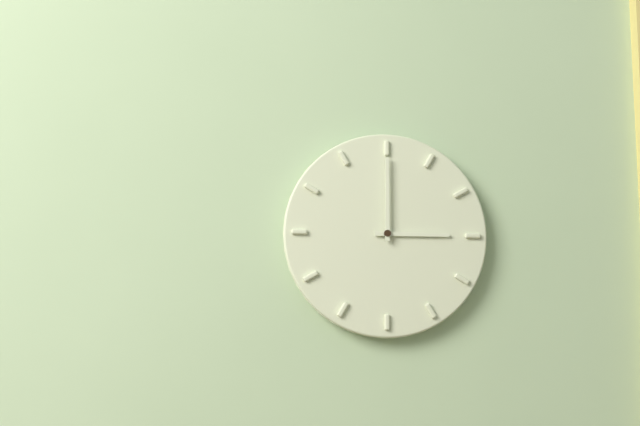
3:00
